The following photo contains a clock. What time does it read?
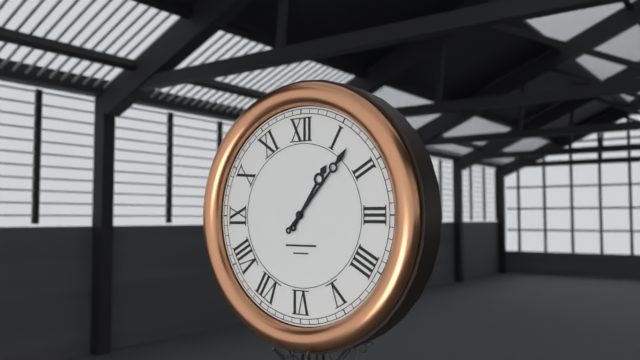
1:07
